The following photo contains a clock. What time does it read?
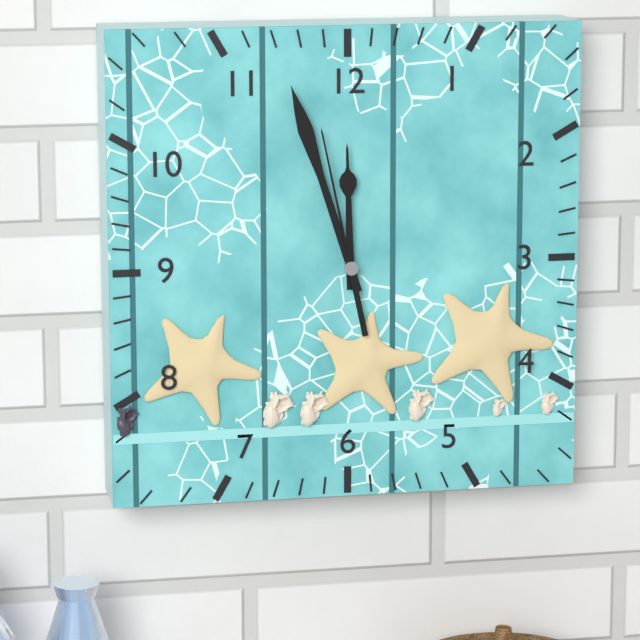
11:57:58
